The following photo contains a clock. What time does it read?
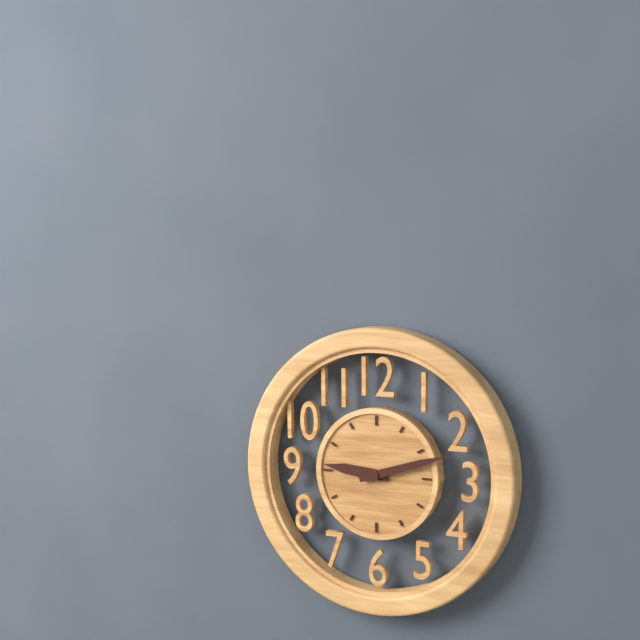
9:12
